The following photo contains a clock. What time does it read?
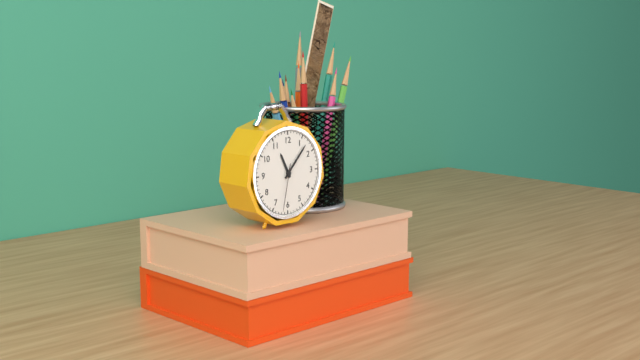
11:07
